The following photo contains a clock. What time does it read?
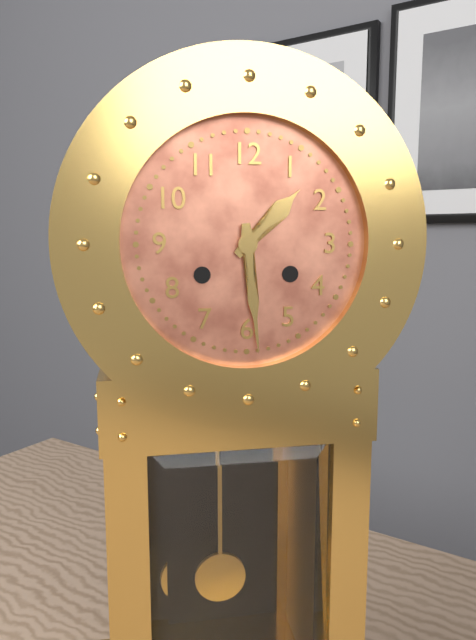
1:29
